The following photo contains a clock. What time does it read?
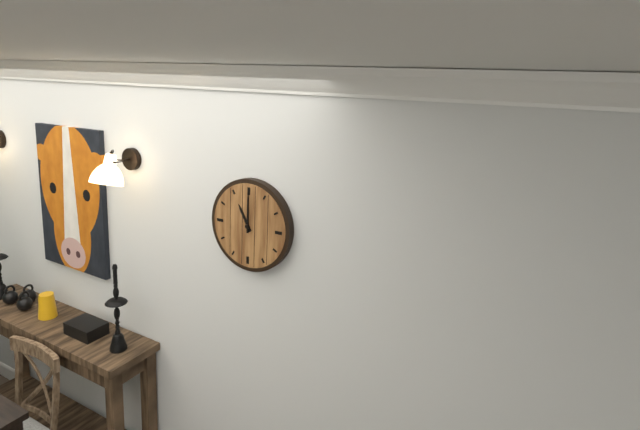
11:00
